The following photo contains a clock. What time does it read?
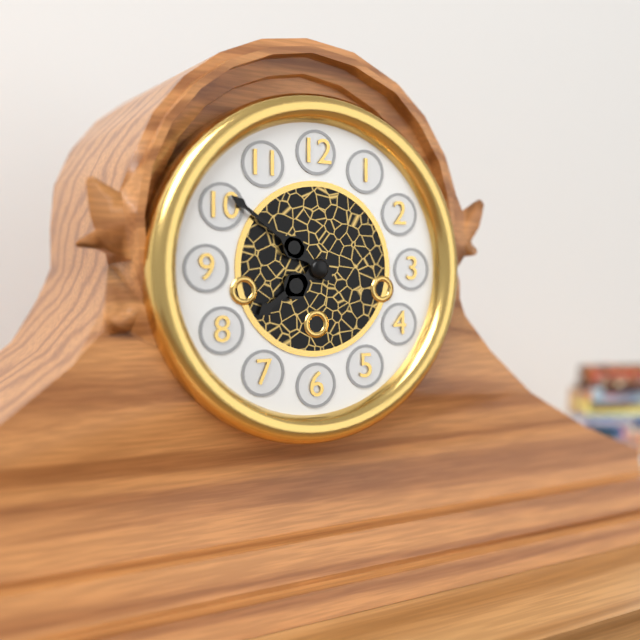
7:51
